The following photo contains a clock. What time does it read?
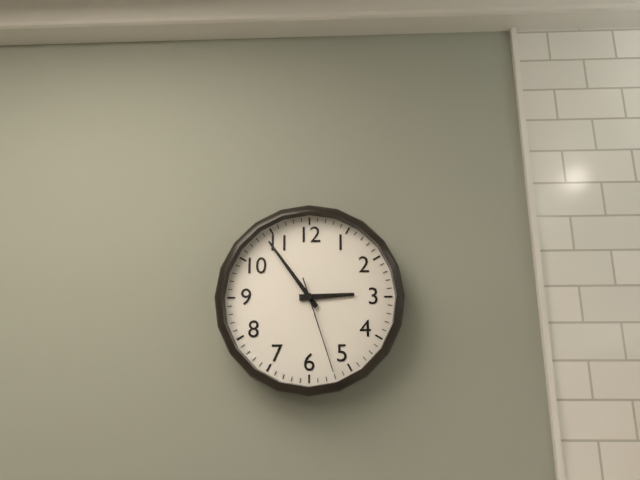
2:54:27
